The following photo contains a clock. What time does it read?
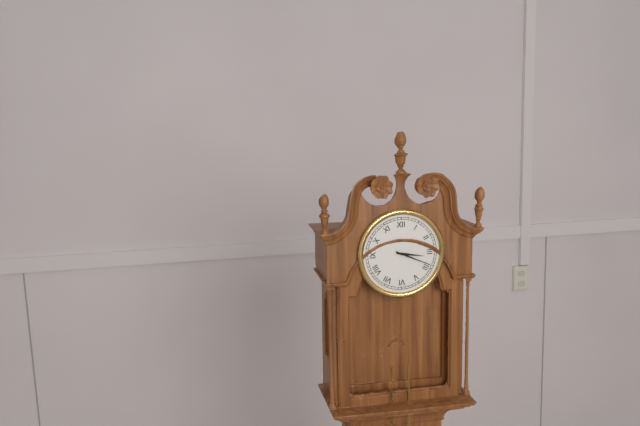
3:19
